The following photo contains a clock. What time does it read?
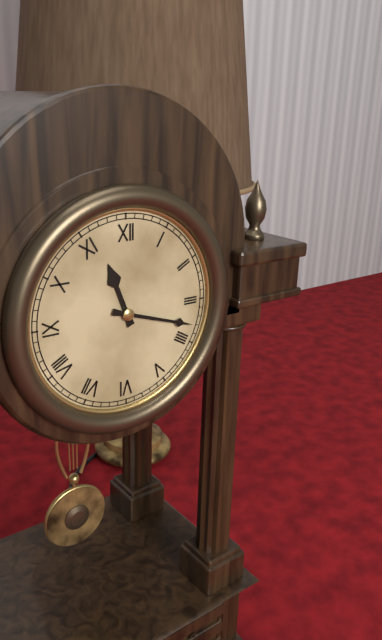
11:18
